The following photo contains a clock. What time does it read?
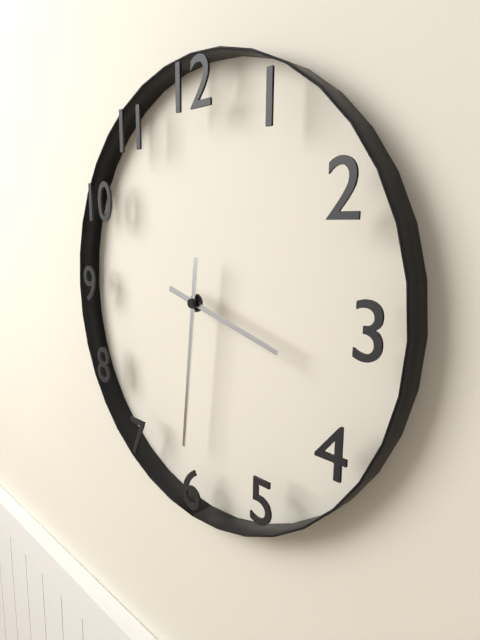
3:31
